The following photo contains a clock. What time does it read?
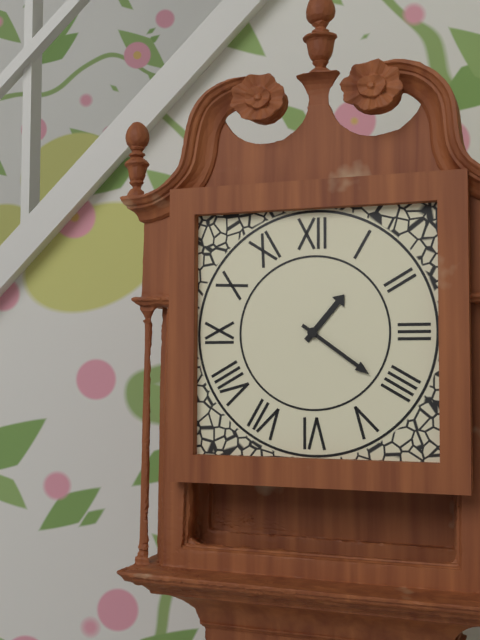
1:21
